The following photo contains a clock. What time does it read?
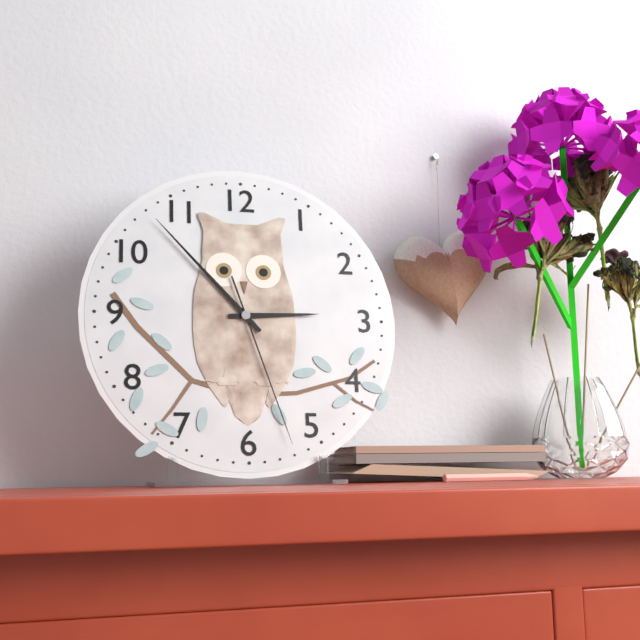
2:53:27
